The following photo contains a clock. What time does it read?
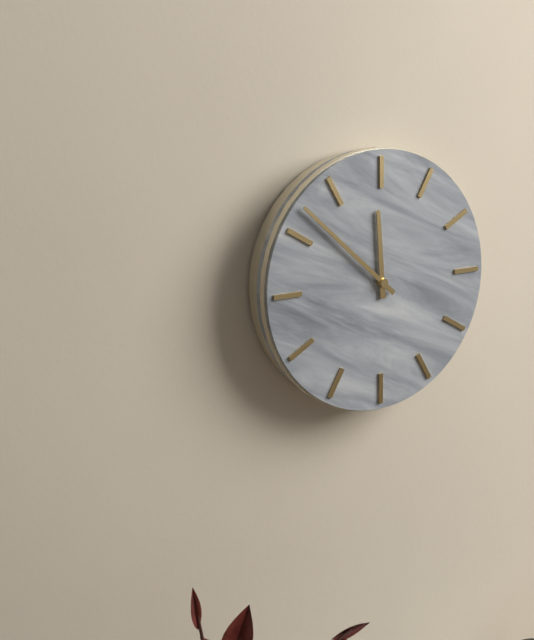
11:52
